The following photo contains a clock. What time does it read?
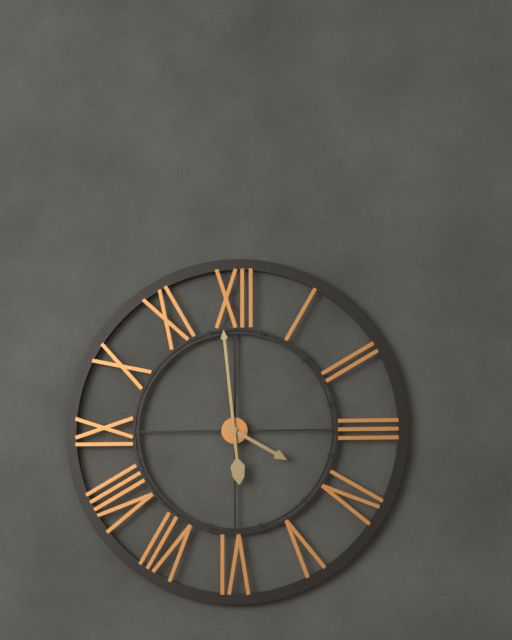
3:59
